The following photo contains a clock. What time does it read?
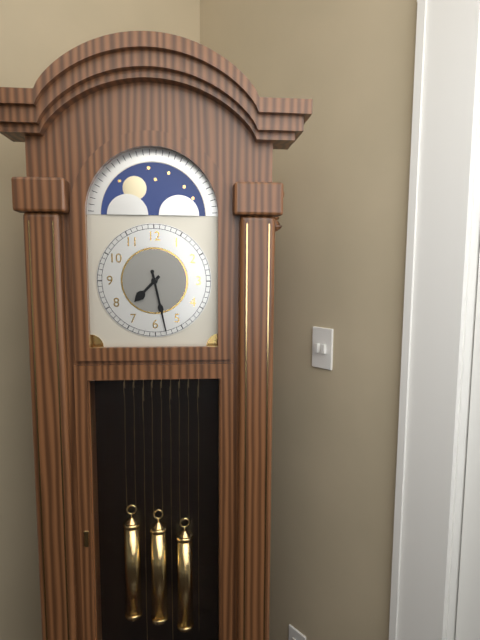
7:28
